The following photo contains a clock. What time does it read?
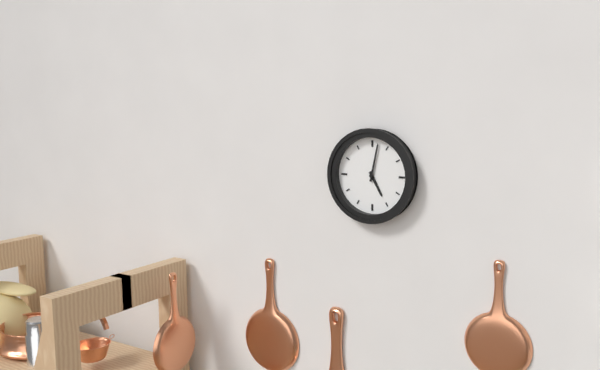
5:02
